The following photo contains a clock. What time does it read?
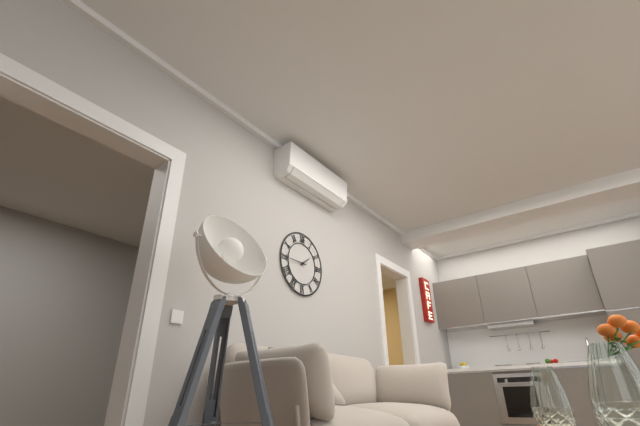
1:45
